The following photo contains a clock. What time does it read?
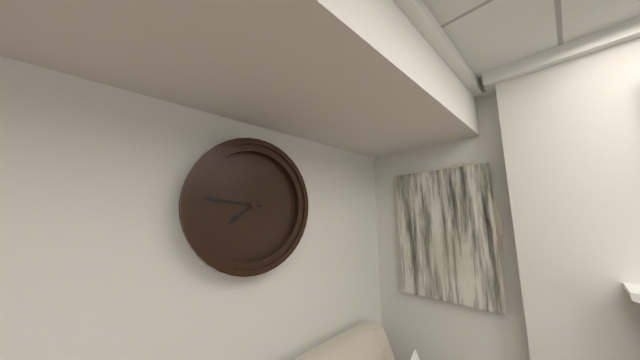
7:46
